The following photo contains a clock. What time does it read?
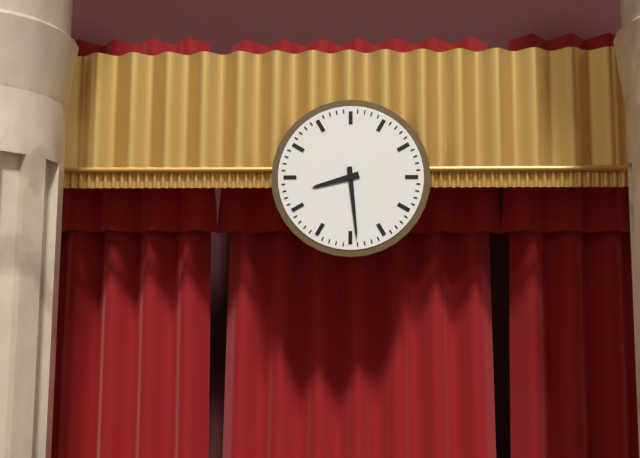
8:29
